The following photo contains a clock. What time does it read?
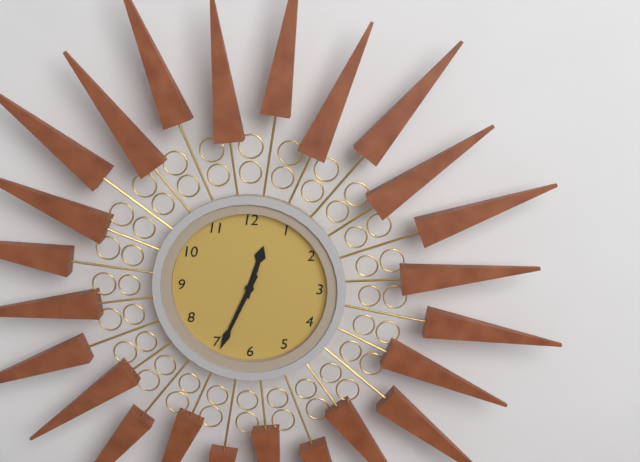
12:34
